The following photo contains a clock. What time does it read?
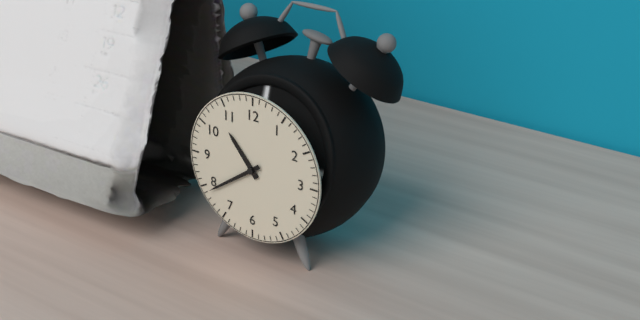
10:39
